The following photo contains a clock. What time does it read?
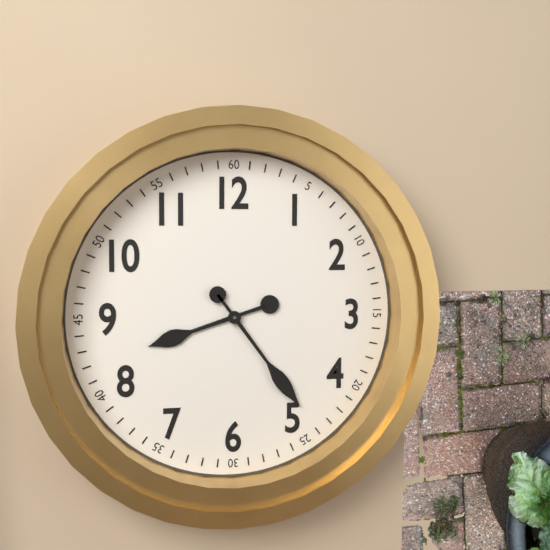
8:24
